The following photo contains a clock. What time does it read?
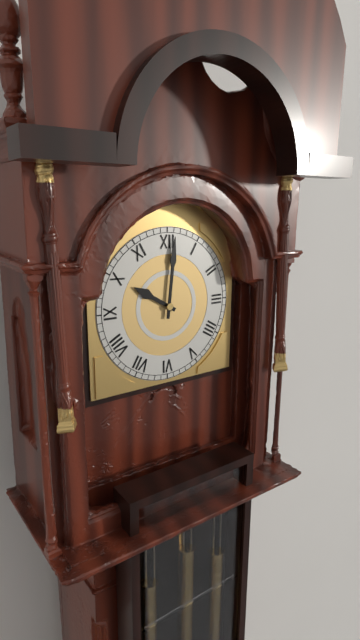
10:01
